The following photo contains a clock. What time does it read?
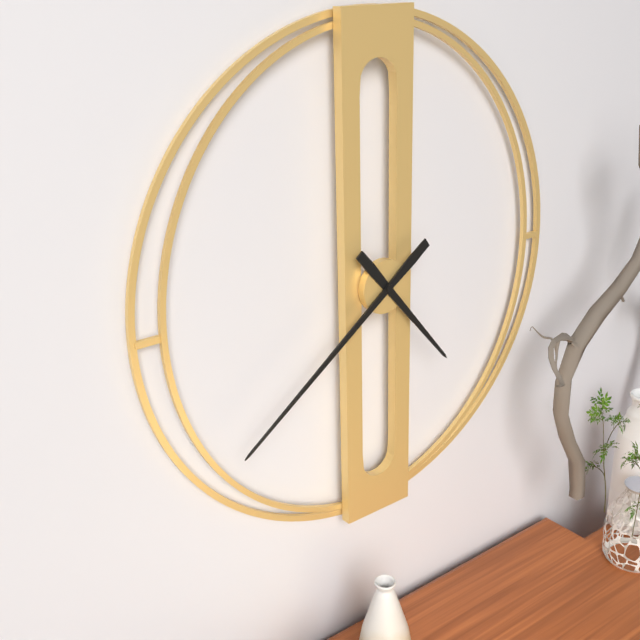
4:39
